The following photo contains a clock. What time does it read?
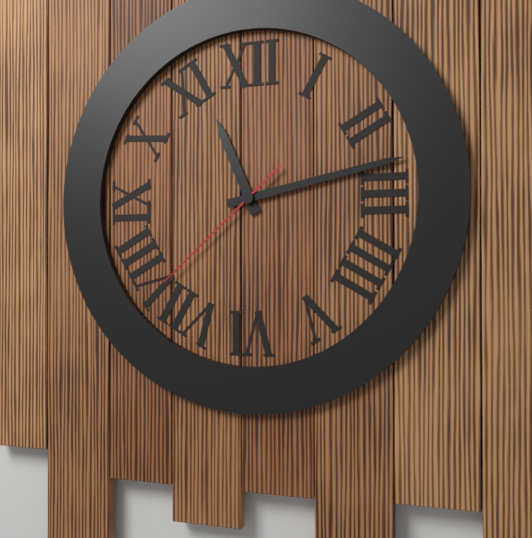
11:13:38
